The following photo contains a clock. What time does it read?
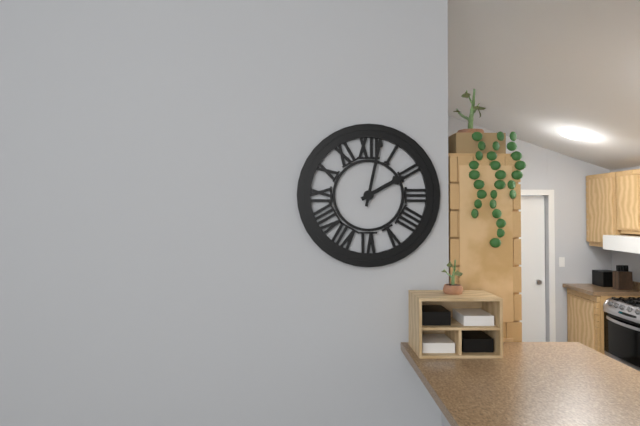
2:02
